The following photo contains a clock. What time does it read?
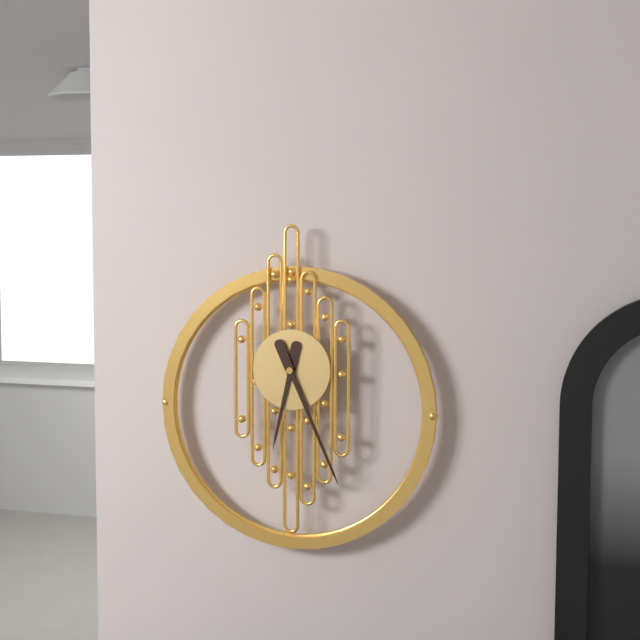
6:26
